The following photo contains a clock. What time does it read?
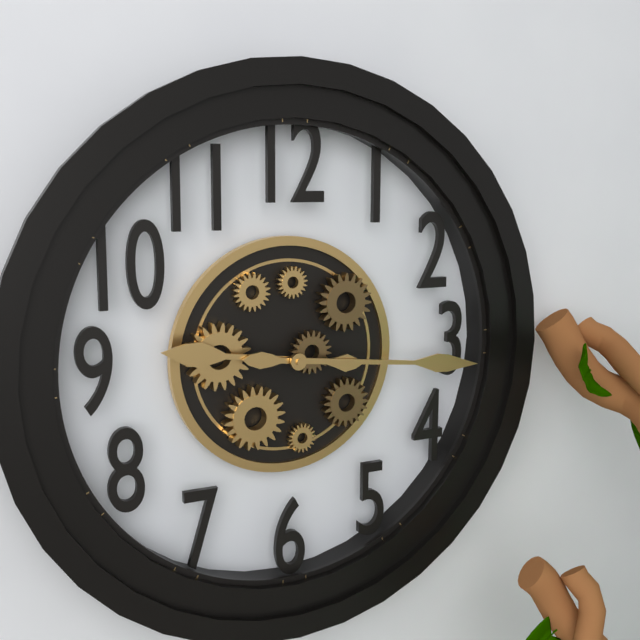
9:16
